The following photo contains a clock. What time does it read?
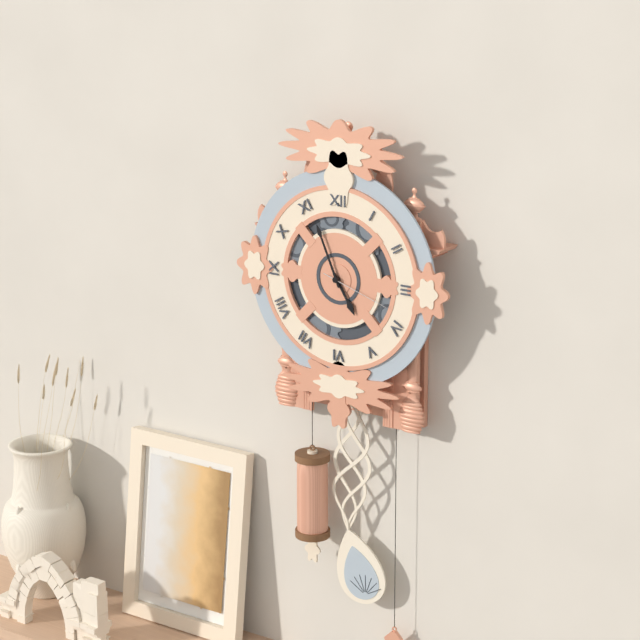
4:56:18
